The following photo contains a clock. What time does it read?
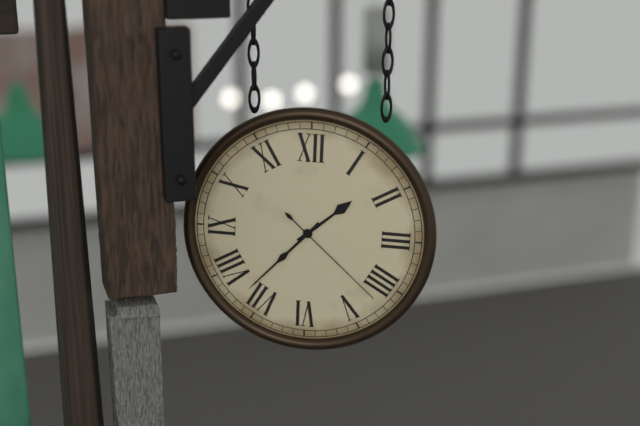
1:37:22
